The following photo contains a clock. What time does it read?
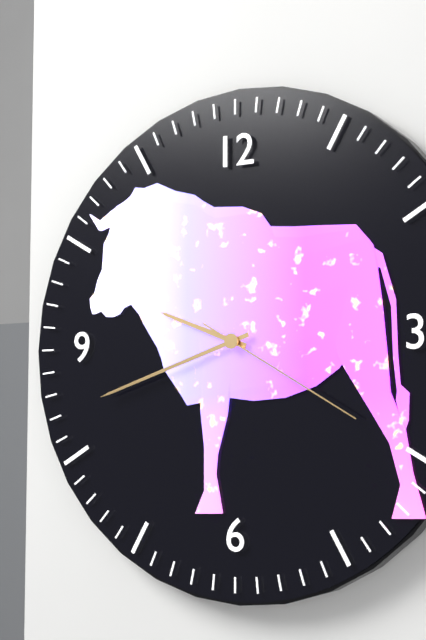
9:42:20
